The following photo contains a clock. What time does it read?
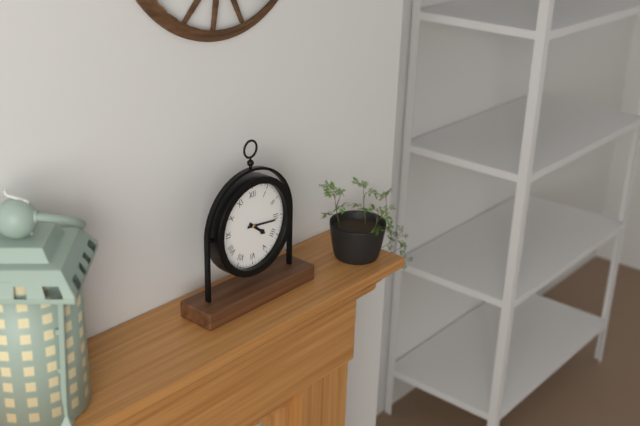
4:16
